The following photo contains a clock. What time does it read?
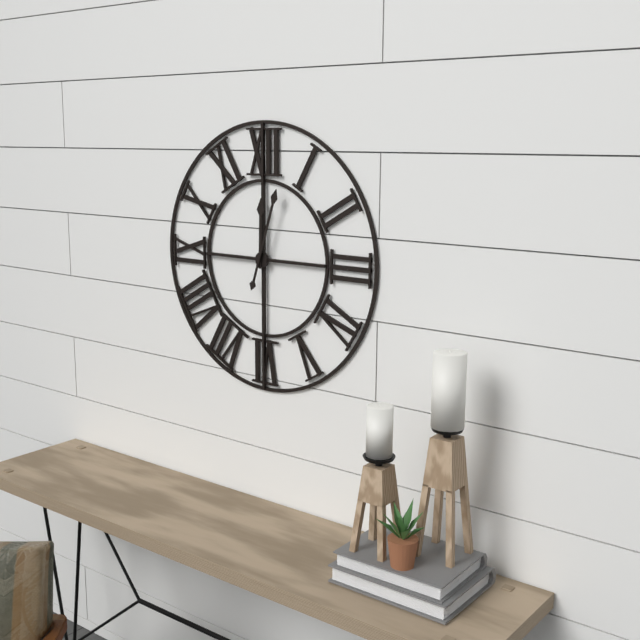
12:03
